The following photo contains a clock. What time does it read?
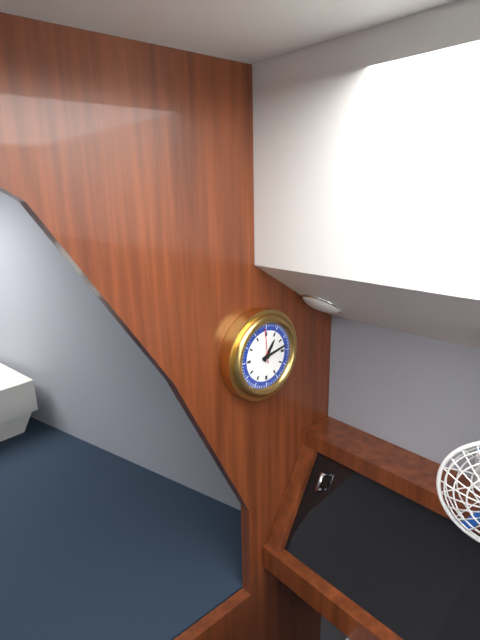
1:13
